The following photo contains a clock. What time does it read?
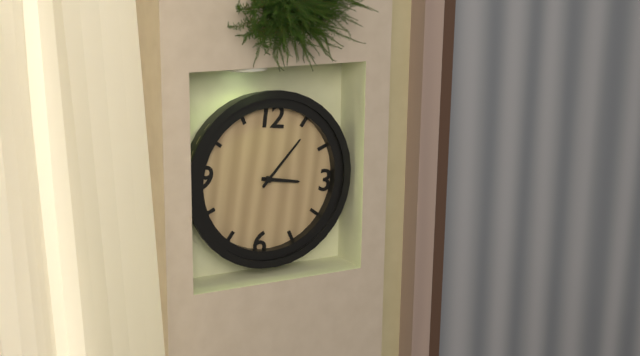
3:06
